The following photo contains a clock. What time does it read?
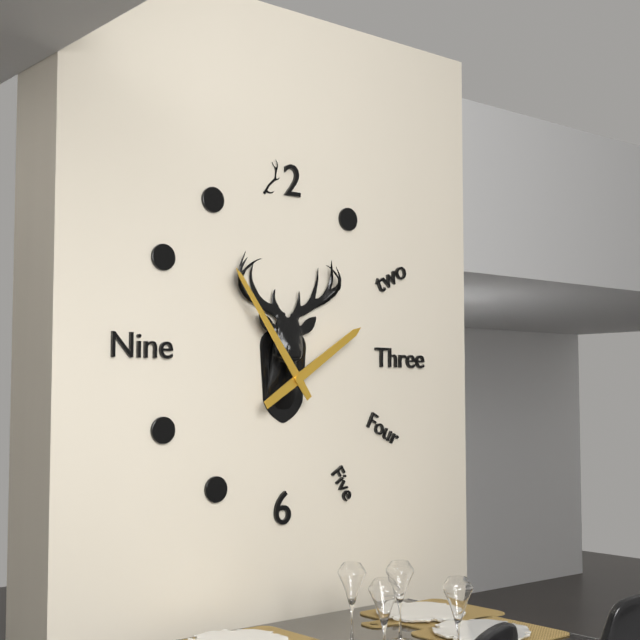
1:54
